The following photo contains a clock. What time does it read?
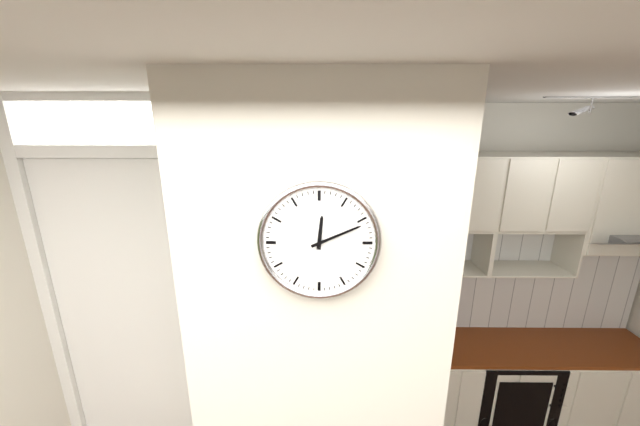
12:11
